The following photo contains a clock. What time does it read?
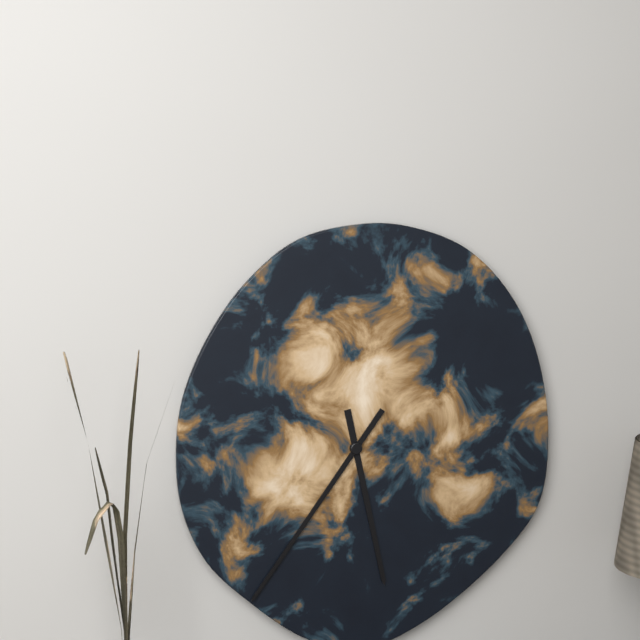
5:36
